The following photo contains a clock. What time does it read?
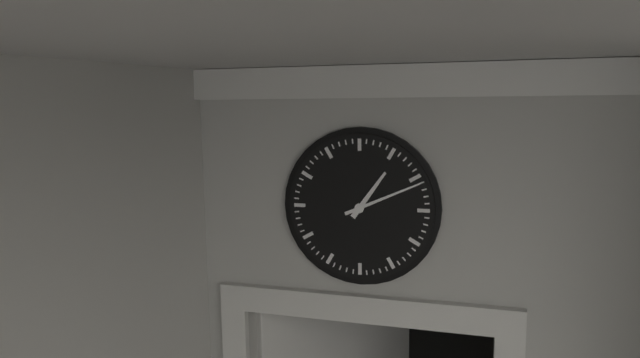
1:11
